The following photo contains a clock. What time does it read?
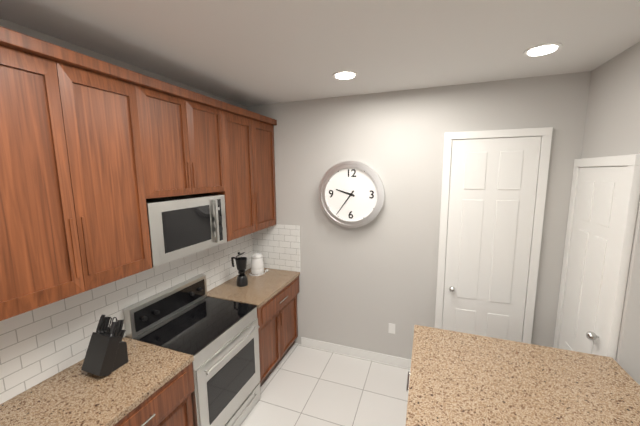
9:36
